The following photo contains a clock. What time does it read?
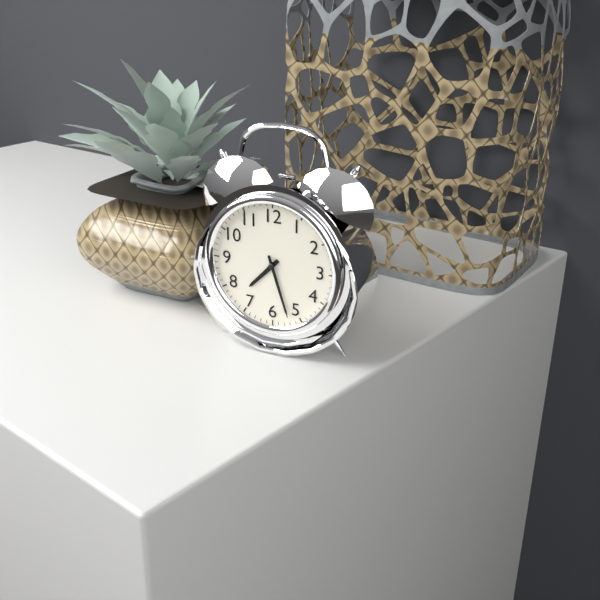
7:27
